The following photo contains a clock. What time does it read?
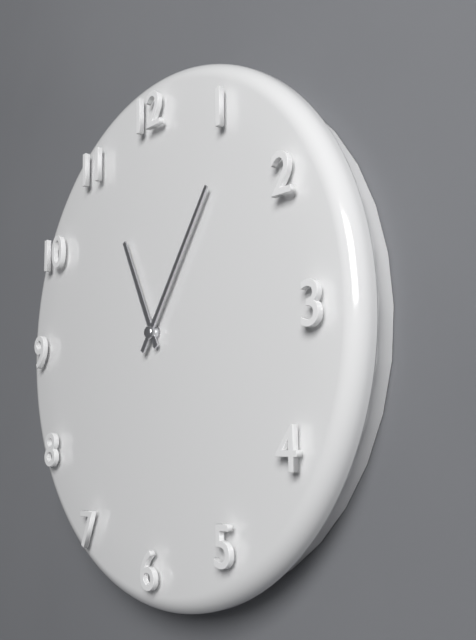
11:06
